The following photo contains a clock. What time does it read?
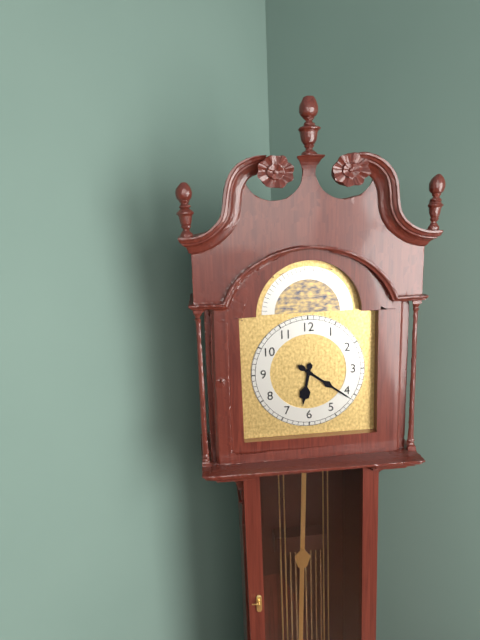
6:21
